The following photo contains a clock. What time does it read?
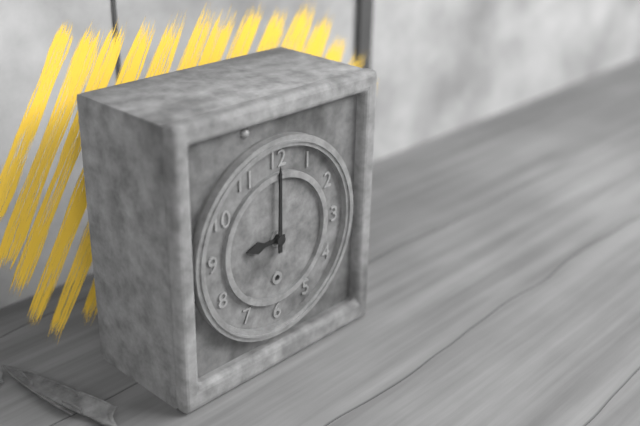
9:00
